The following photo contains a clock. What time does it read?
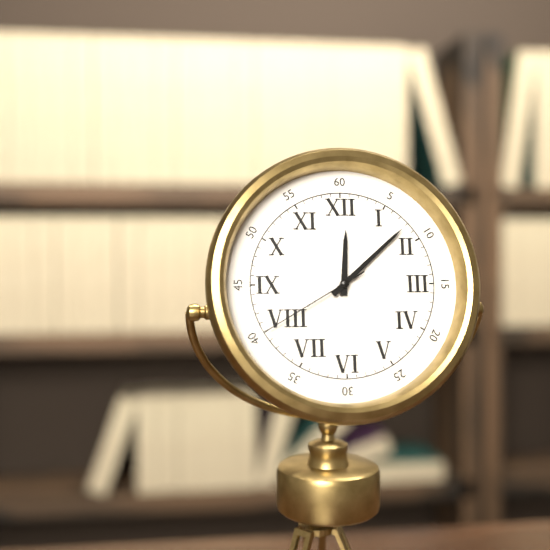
12:08:40
